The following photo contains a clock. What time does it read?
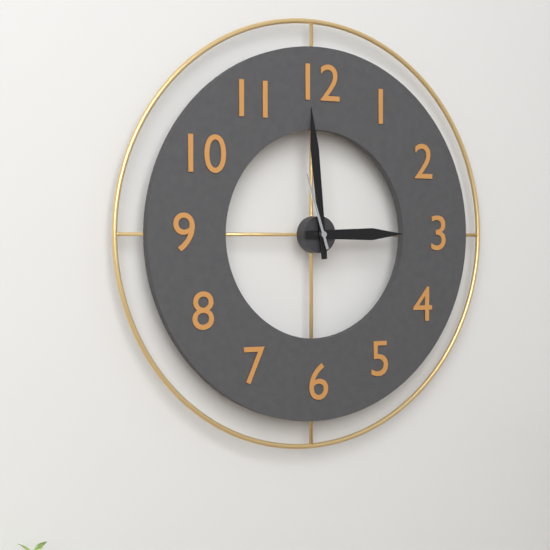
2:59:57
